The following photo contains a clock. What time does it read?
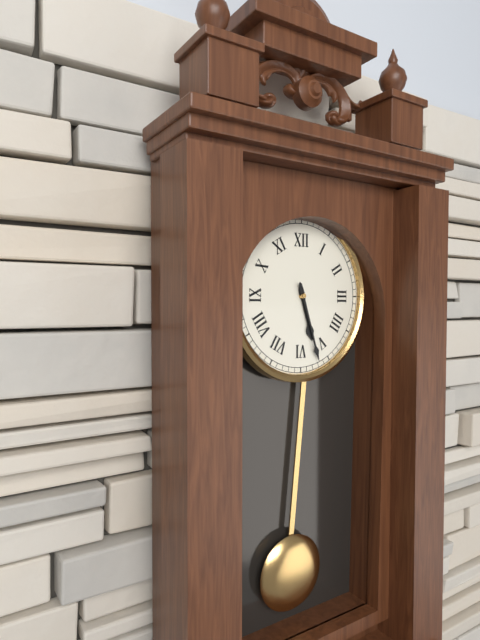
5:27
